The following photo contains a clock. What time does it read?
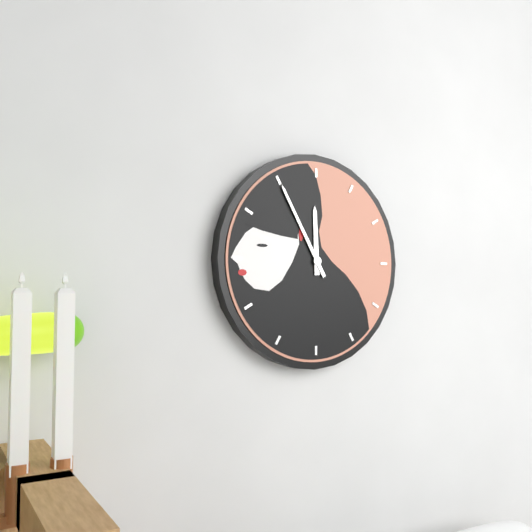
11:55
